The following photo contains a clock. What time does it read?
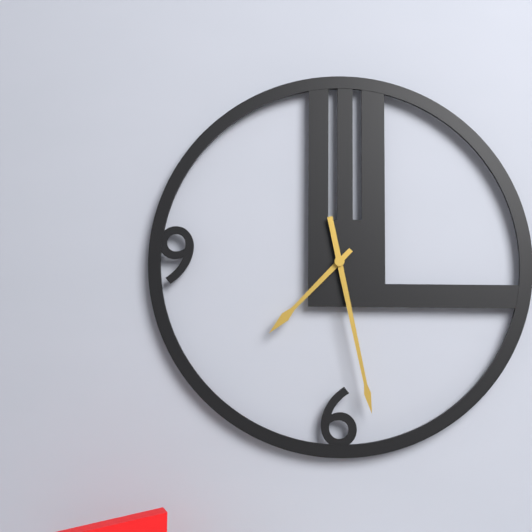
7:28
